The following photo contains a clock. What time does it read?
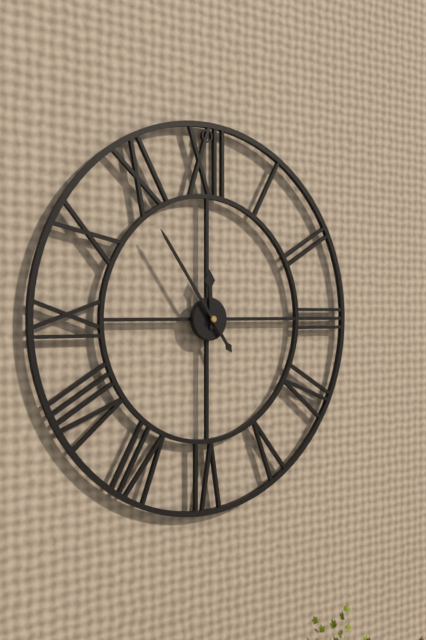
11:54
